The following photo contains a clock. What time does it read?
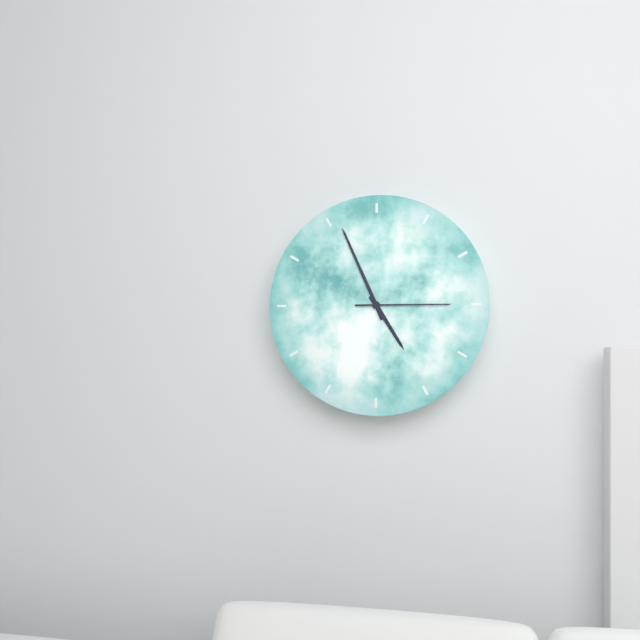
4:56:15
